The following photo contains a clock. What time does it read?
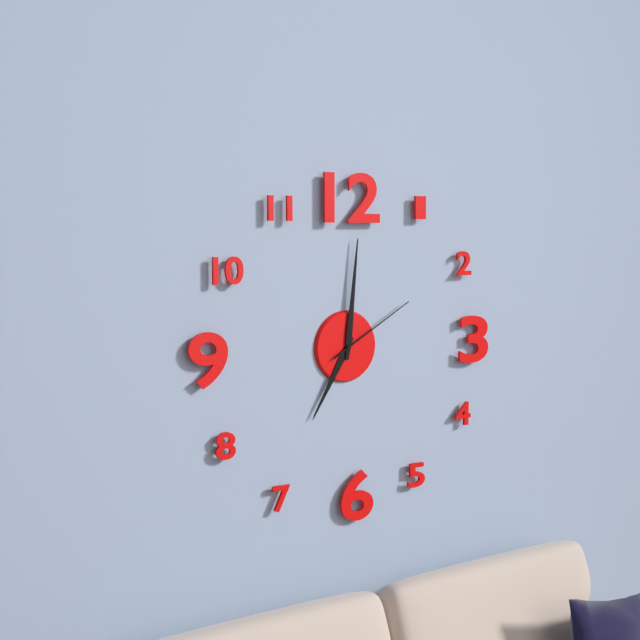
7:01:10
